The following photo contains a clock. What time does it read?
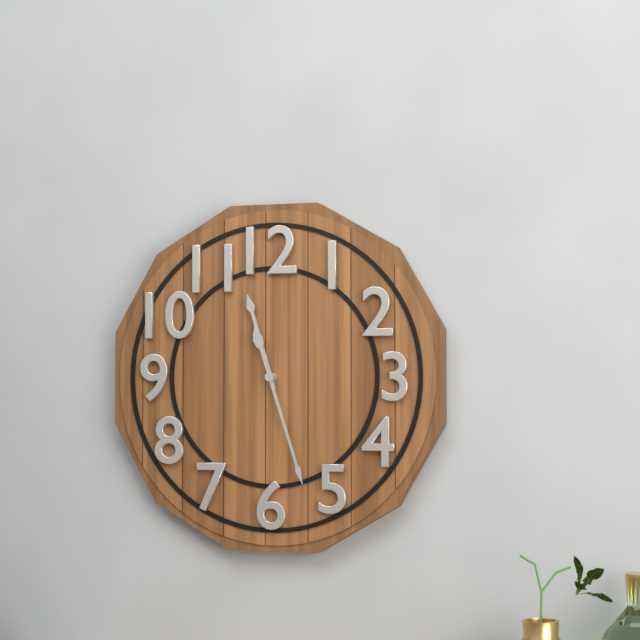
11:27
